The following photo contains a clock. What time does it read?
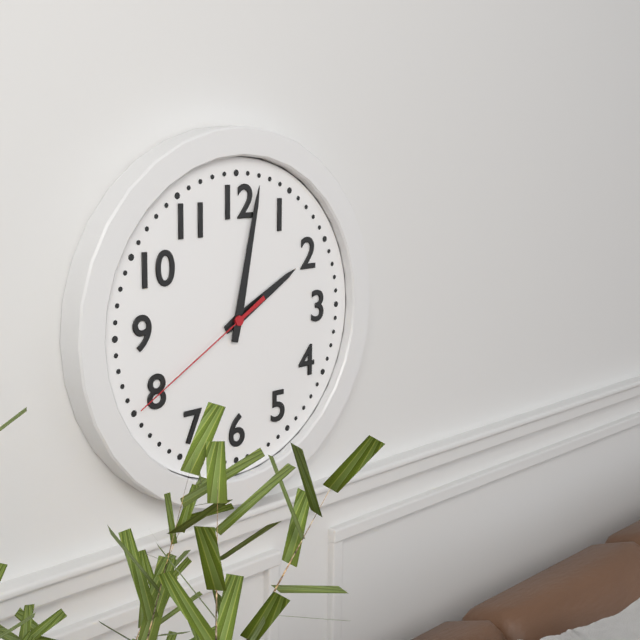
2:02:40
